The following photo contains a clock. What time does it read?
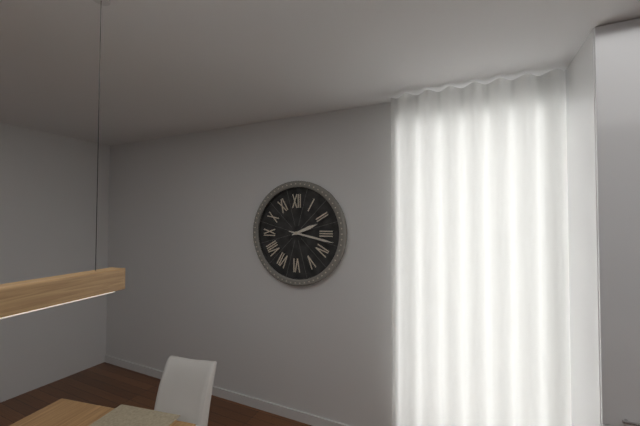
2:17
